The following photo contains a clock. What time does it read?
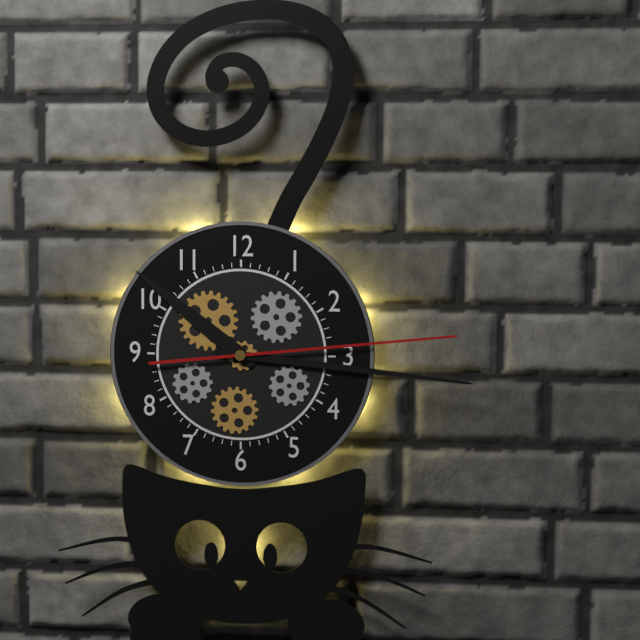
10:16:14
